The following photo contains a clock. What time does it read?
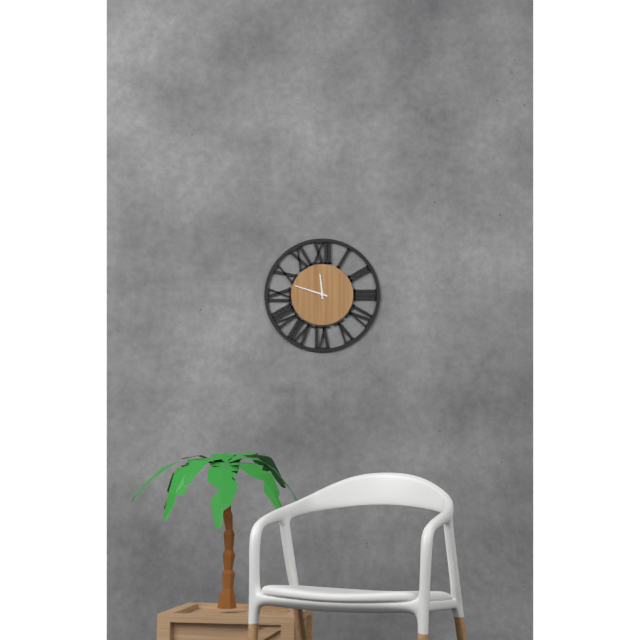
11:48
